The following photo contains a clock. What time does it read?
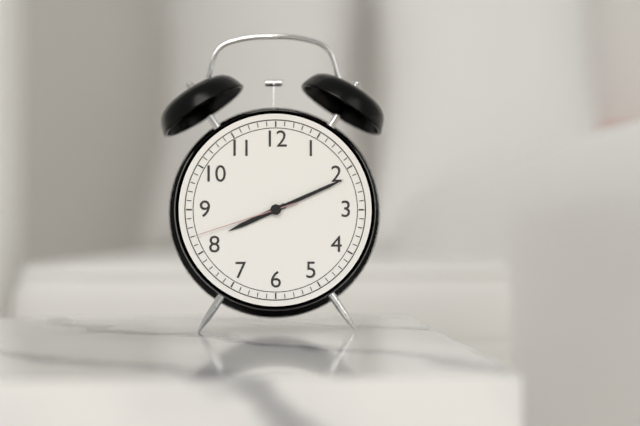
8:11:42
